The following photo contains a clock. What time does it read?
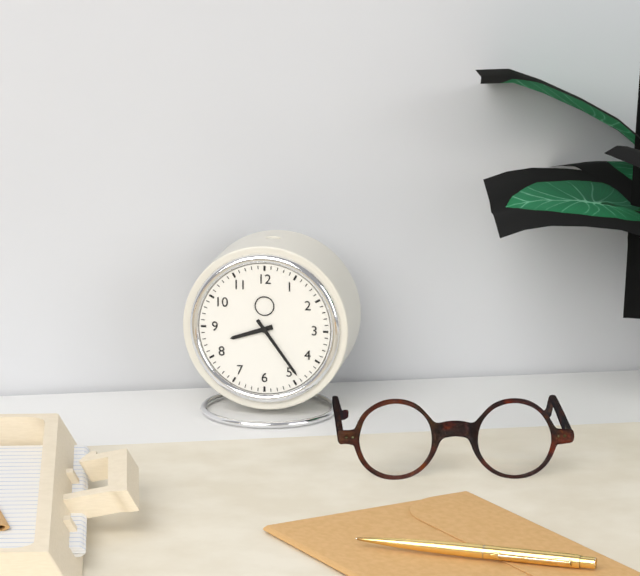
8:24
